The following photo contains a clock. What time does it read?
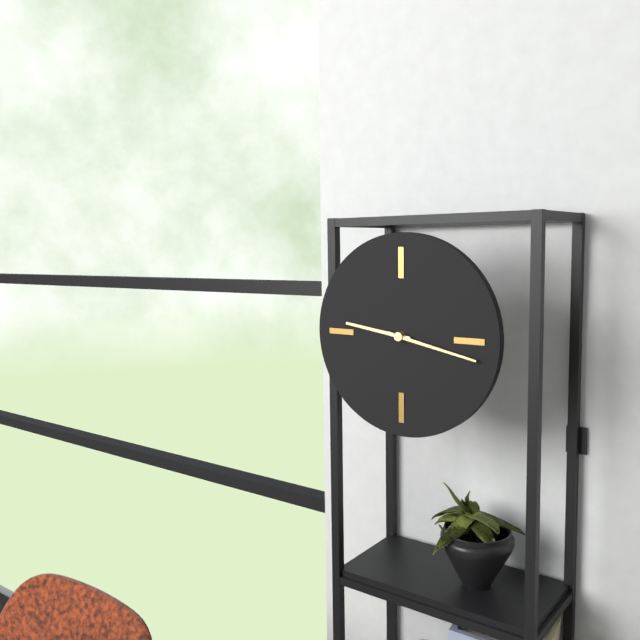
9:17
